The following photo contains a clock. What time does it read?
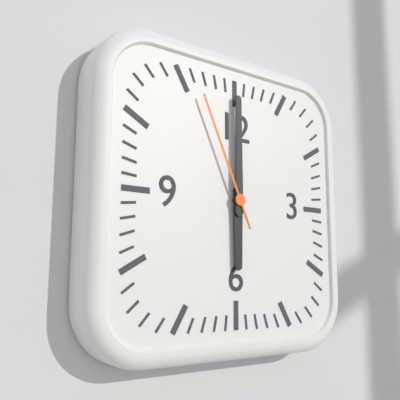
6:00:56
